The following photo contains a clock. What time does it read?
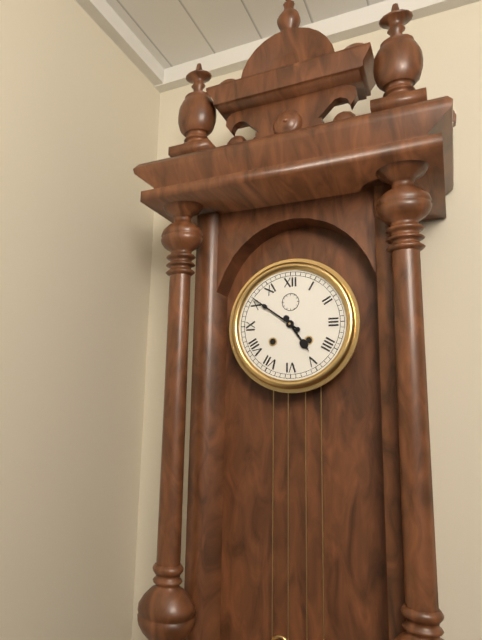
4:51
